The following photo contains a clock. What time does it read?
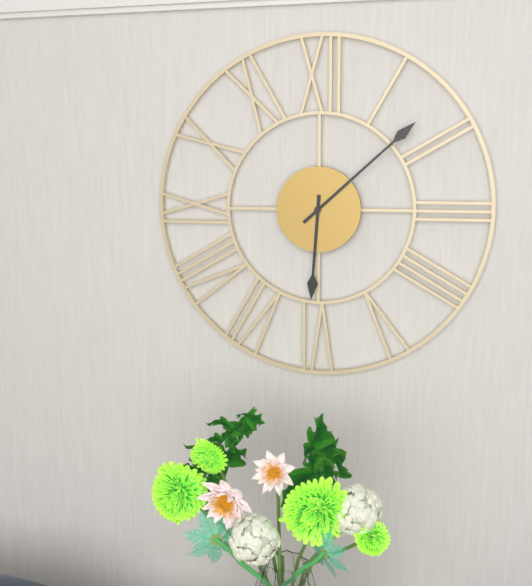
6:08
